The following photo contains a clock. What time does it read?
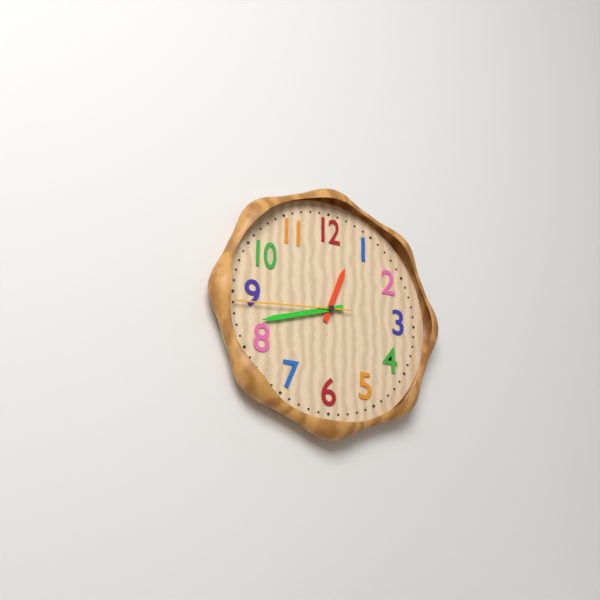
12:42:44
